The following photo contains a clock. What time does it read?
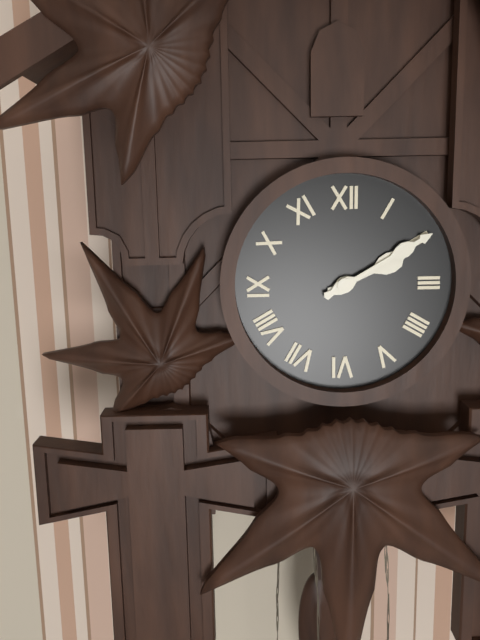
2:10
